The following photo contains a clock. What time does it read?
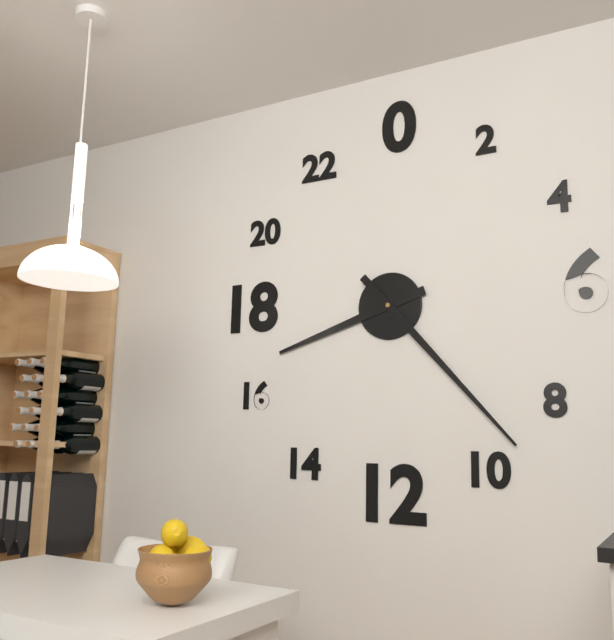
8:23
